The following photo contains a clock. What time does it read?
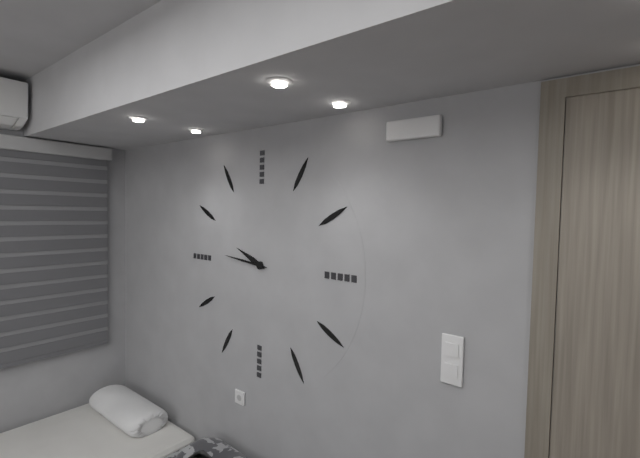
9:46
